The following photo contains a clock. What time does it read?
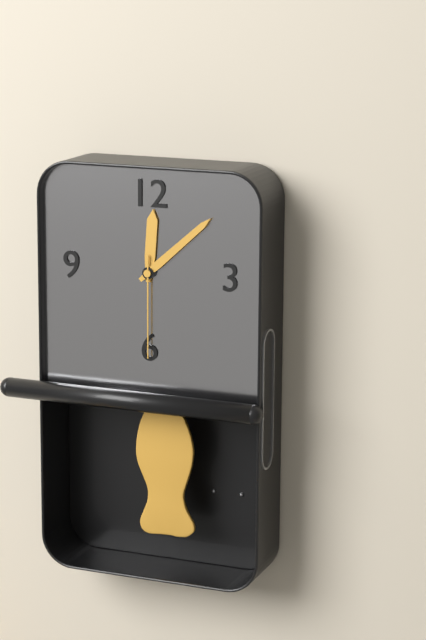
12:08:30
